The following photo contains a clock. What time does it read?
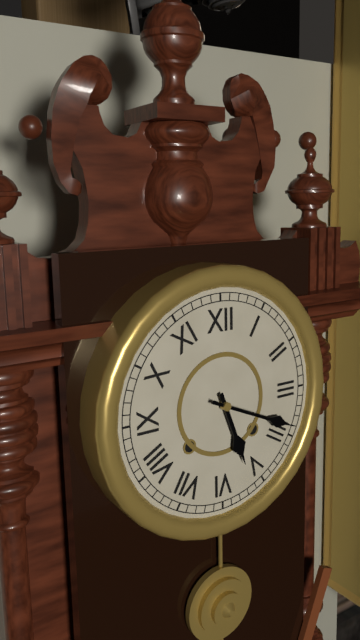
5:19
